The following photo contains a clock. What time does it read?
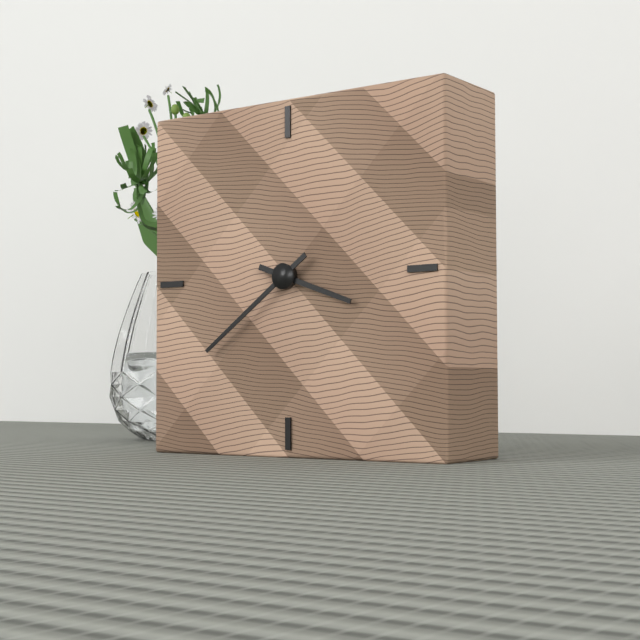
3:39
